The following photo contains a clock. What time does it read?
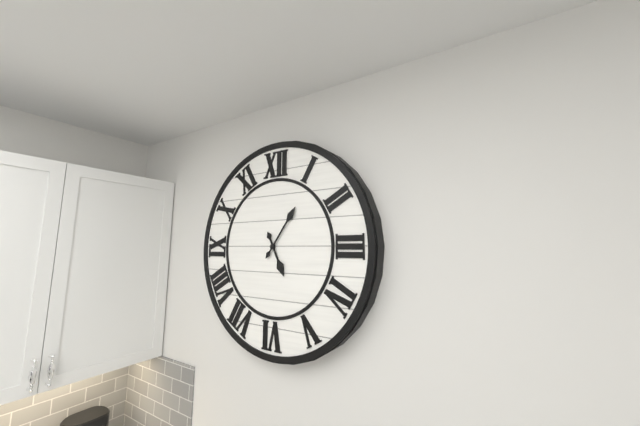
5:06
